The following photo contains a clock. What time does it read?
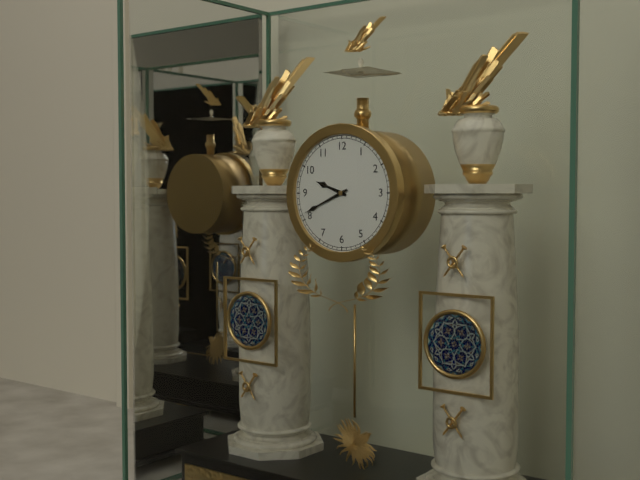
9:41
